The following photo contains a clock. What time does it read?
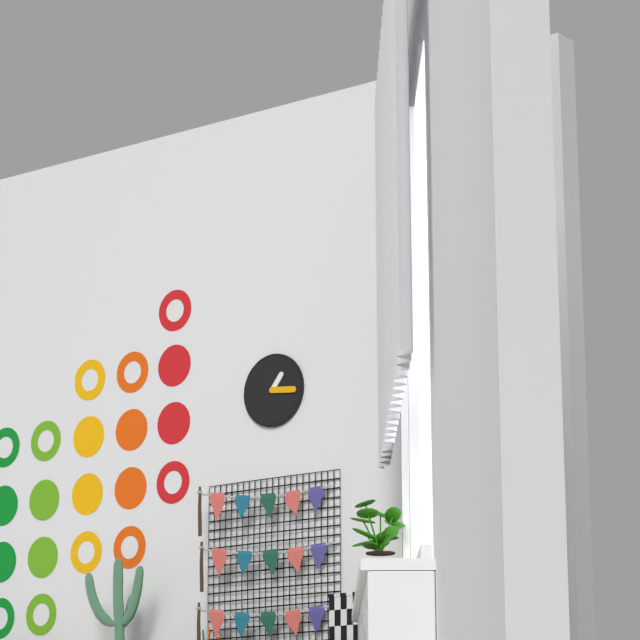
1:16
